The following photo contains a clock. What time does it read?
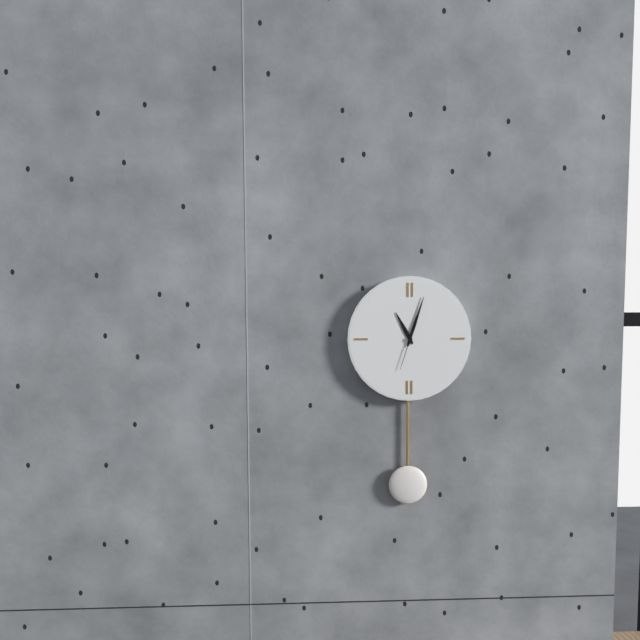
11:03
